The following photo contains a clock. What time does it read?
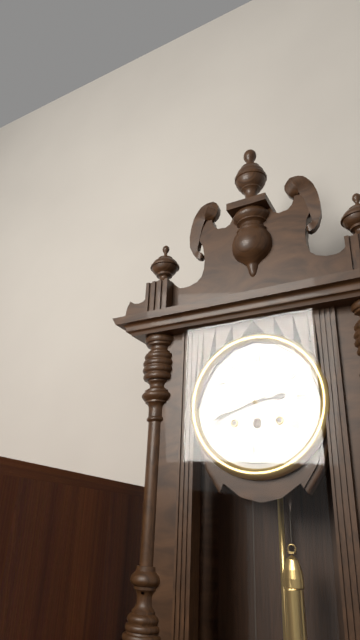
2:42
